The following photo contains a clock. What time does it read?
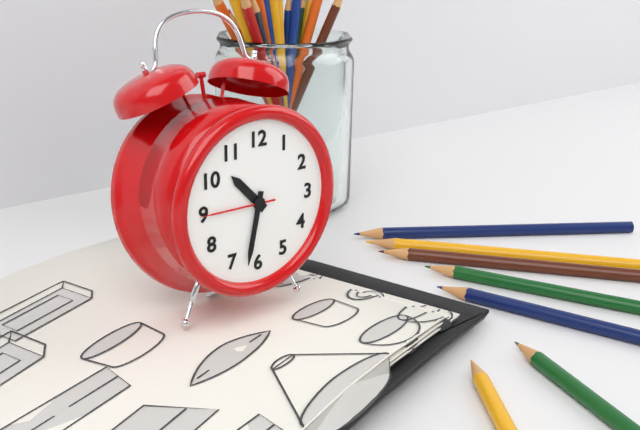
10:32:45
